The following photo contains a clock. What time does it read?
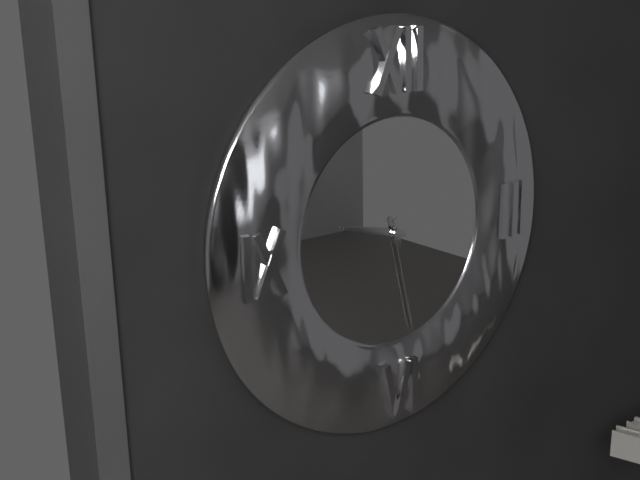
9:28
